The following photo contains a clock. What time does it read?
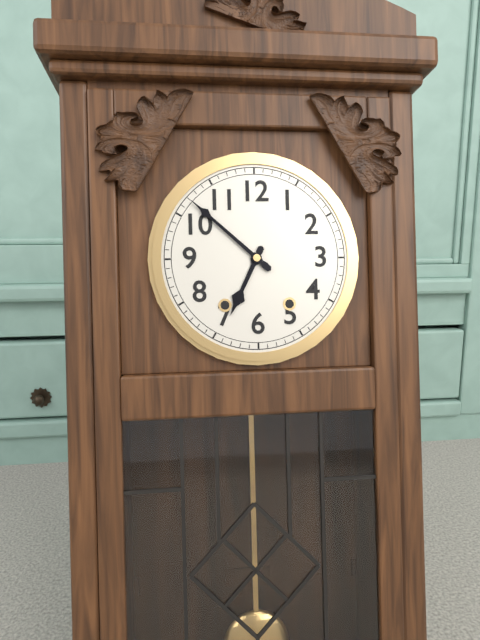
6:52
